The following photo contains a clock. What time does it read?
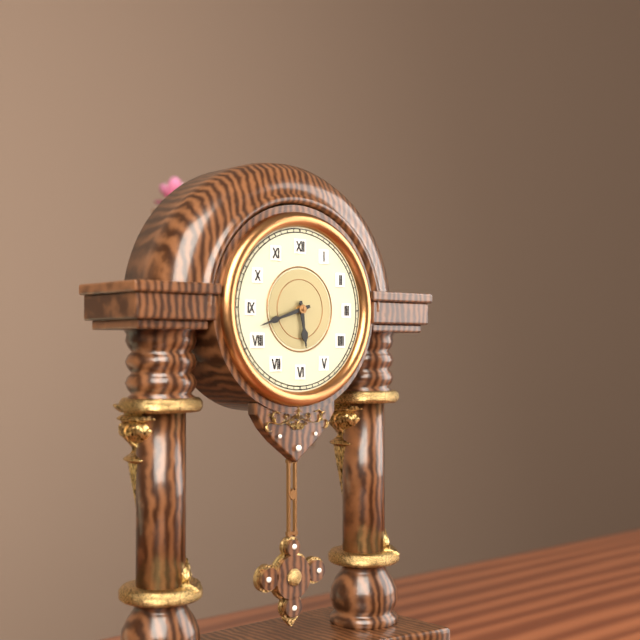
5:42
